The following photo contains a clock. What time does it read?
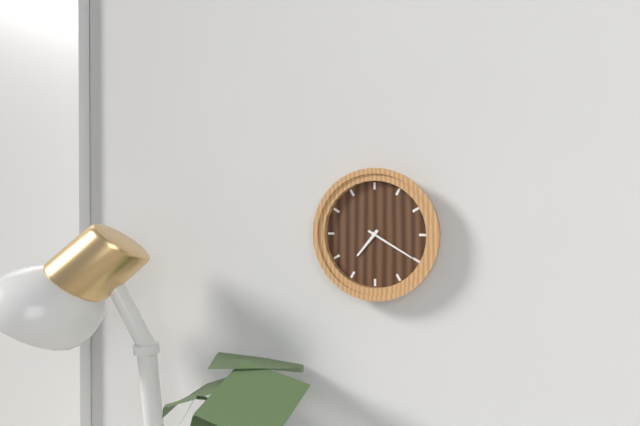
7:20
